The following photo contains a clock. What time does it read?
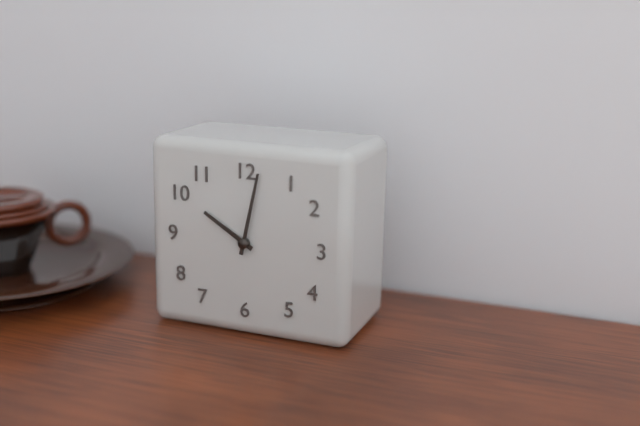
10:02
